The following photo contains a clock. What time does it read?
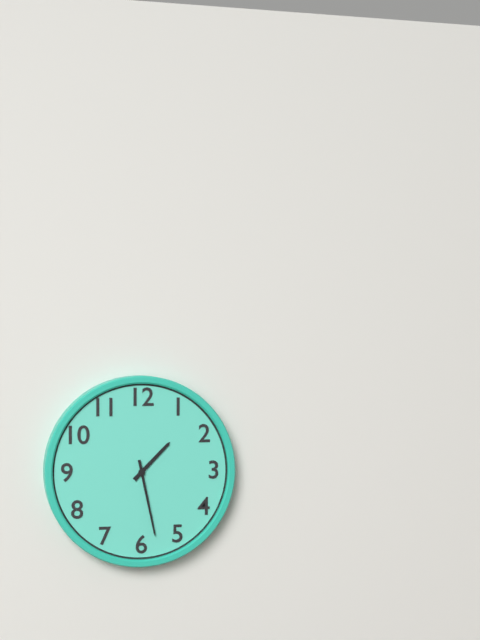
1:28
